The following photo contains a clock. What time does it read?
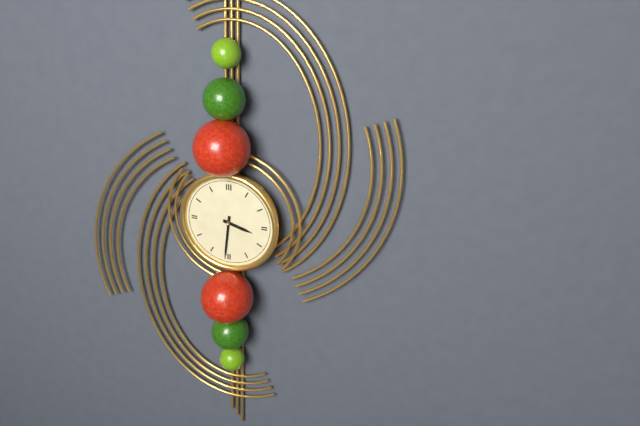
3:31
